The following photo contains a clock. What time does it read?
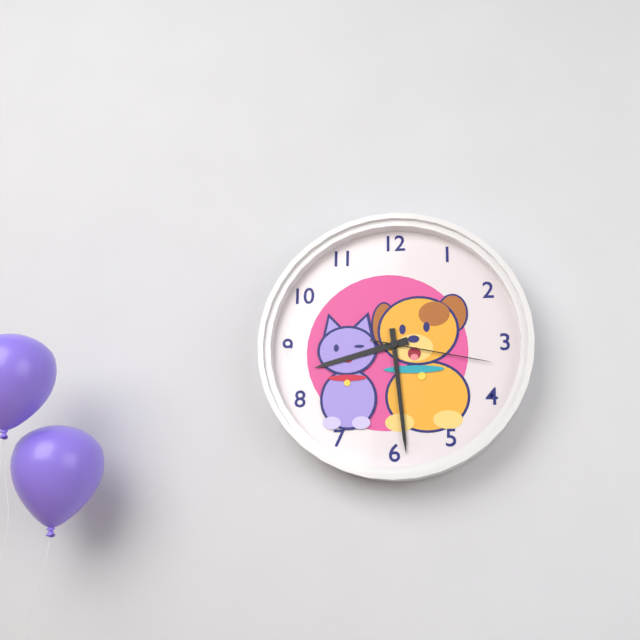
8:29:17
